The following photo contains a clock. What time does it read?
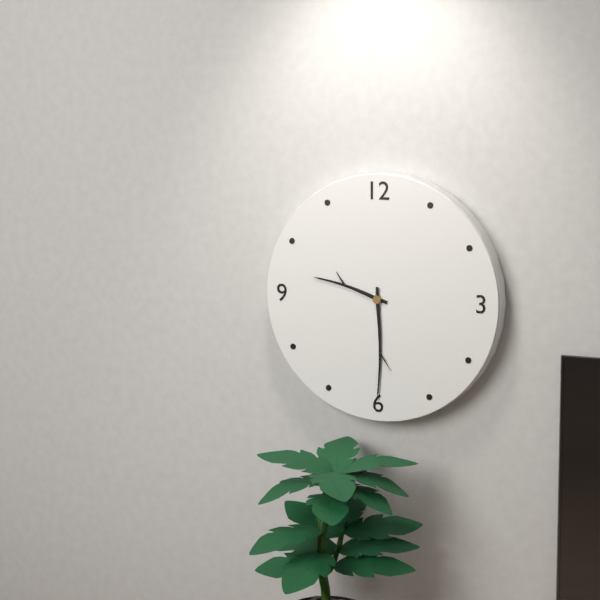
9:30
